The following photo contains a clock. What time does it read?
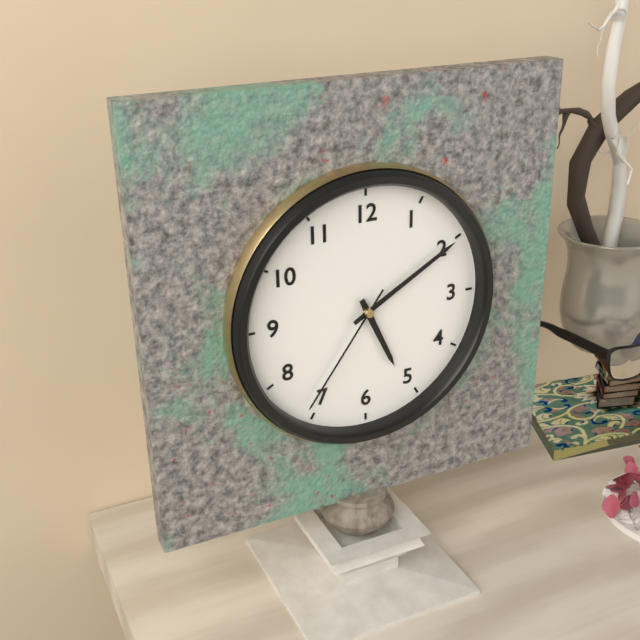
5:10:36
